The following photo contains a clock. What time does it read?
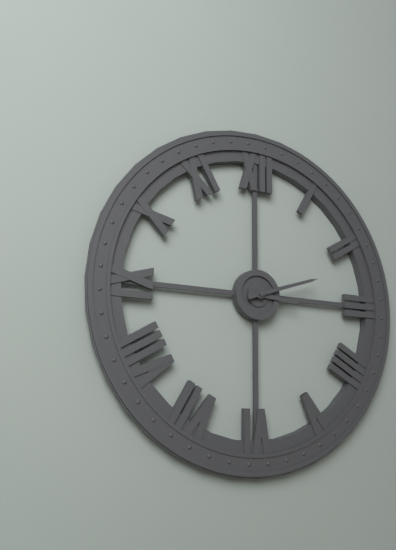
3:12
